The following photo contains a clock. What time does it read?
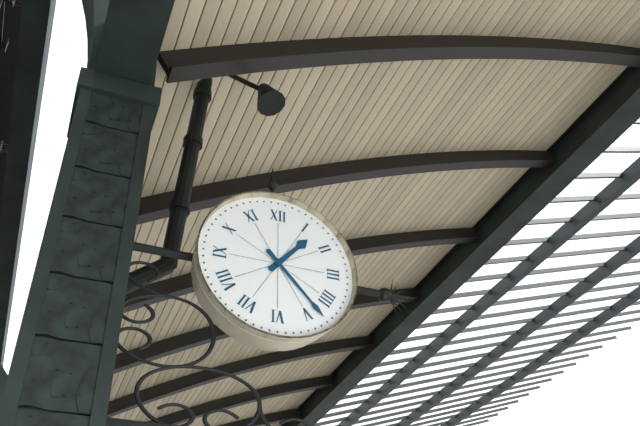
1:23
